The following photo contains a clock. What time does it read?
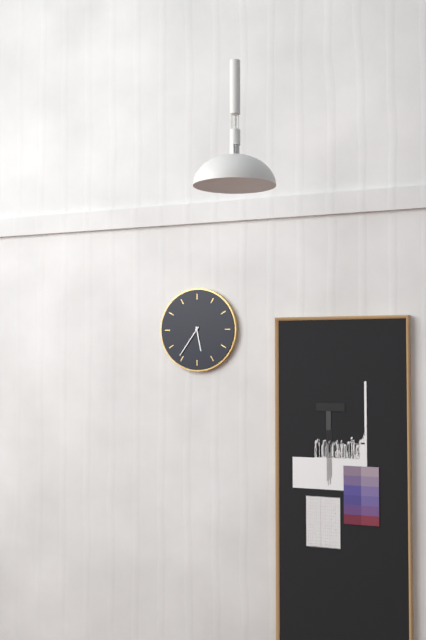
5:36
